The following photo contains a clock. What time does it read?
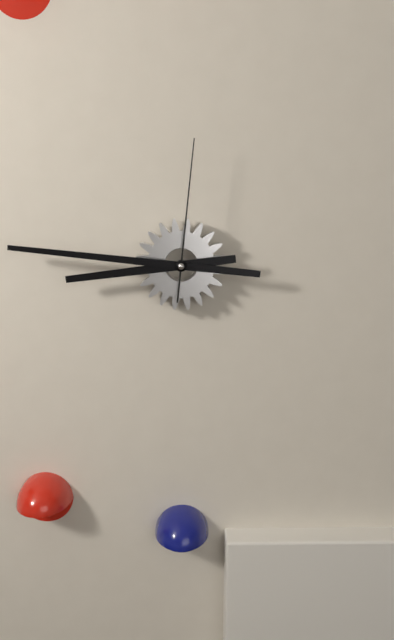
8:46:01
